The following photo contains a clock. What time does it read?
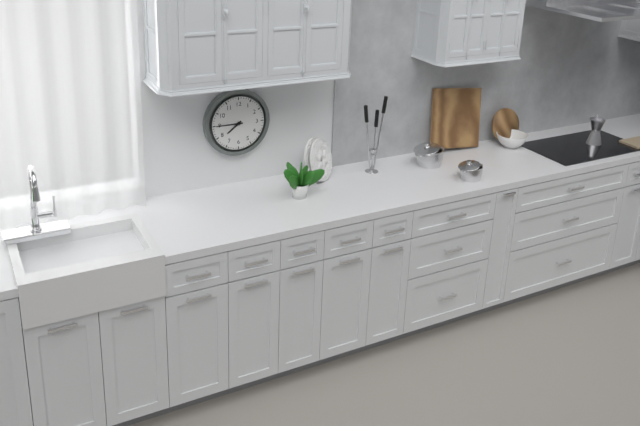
7:45
